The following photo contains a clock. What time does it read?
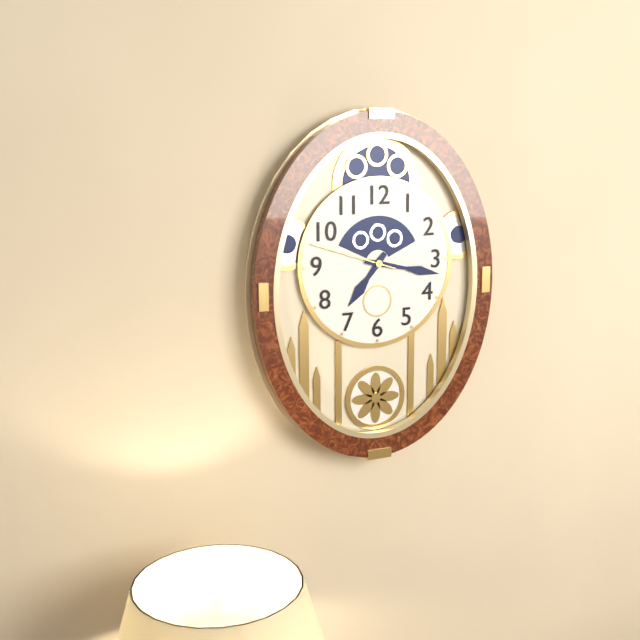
7:17:48
